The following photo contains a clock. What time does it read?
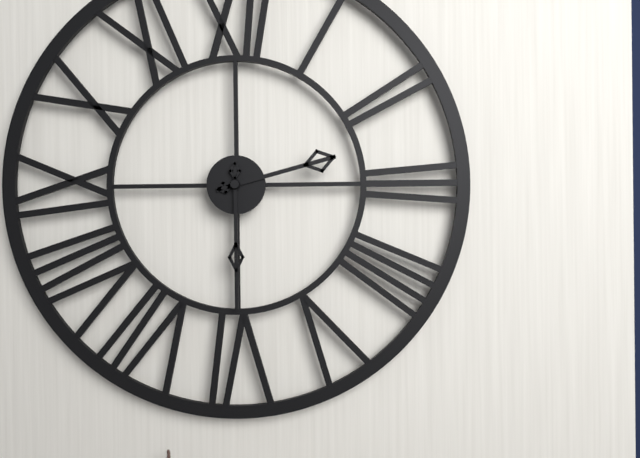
2:30
